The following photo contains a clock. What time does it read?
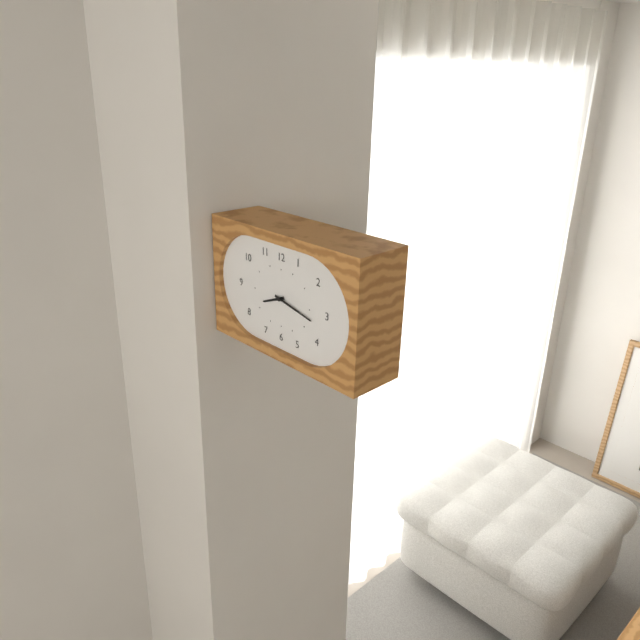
8:17
